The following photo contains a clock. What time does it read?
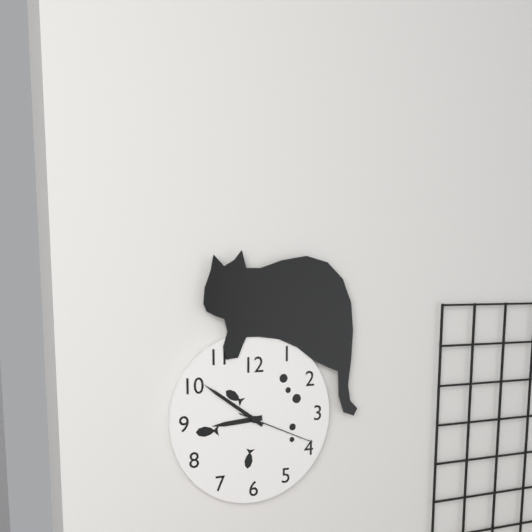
8:51:19
